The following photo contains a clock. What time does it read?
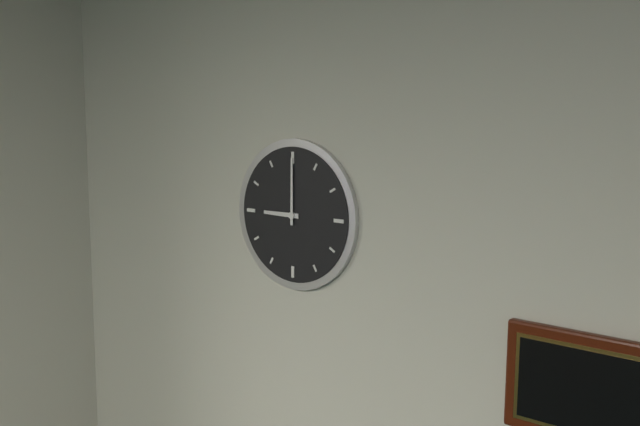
9:00
